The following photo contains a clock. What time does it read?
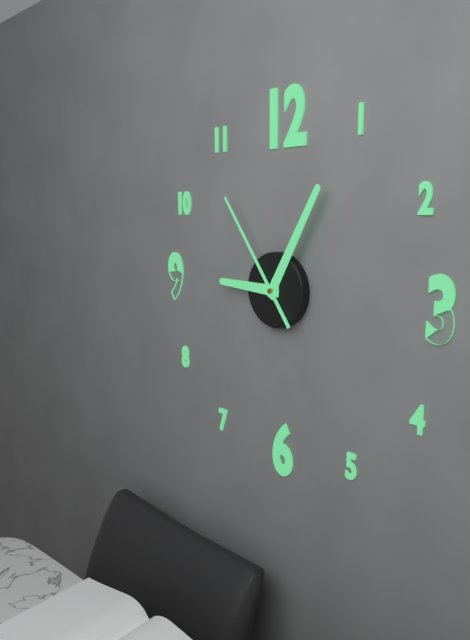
9:05:54
